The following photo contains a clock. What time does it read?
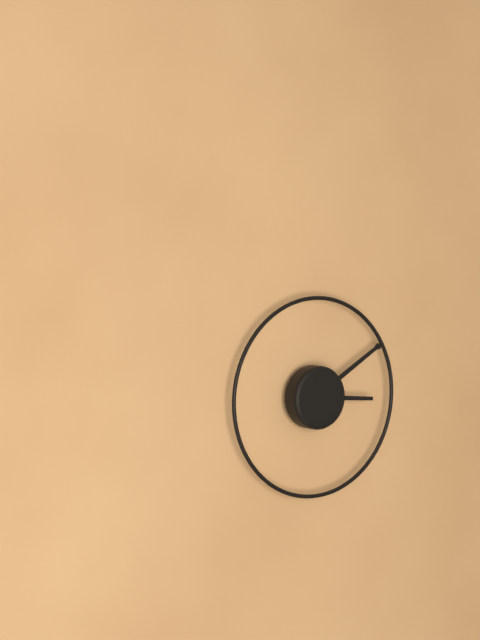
3:10
